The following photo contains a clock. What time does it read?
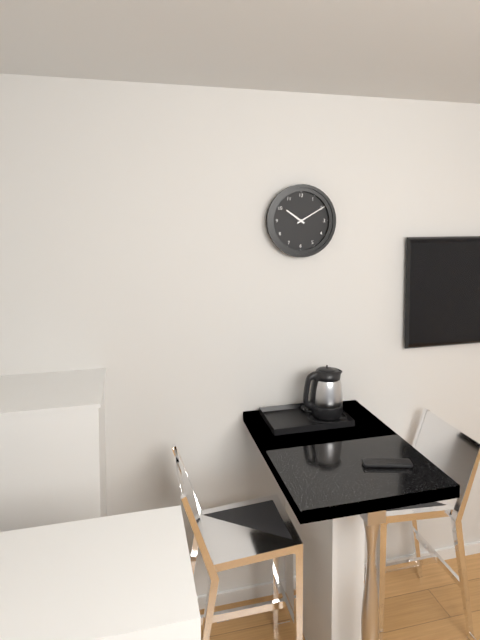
10:10
